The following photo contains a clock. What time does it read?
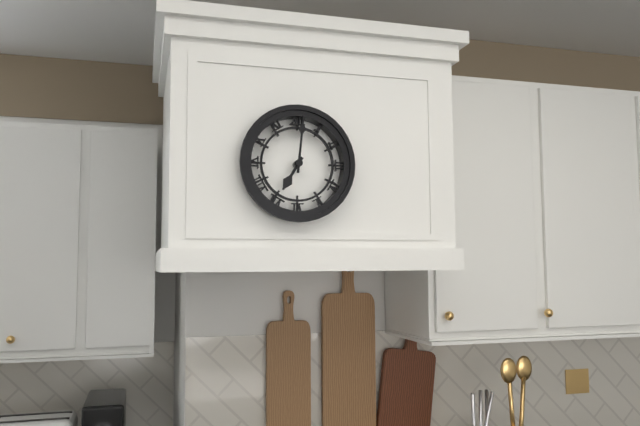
7:01
